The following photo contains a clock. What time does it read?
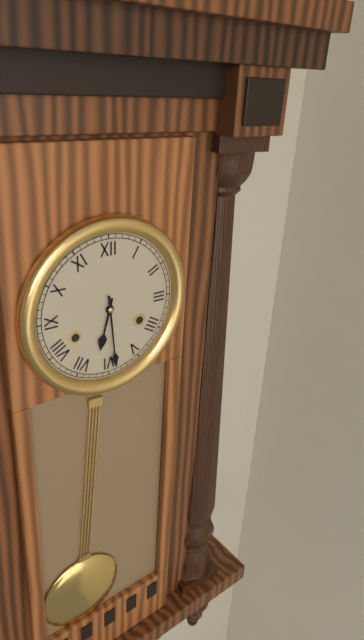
6:29
